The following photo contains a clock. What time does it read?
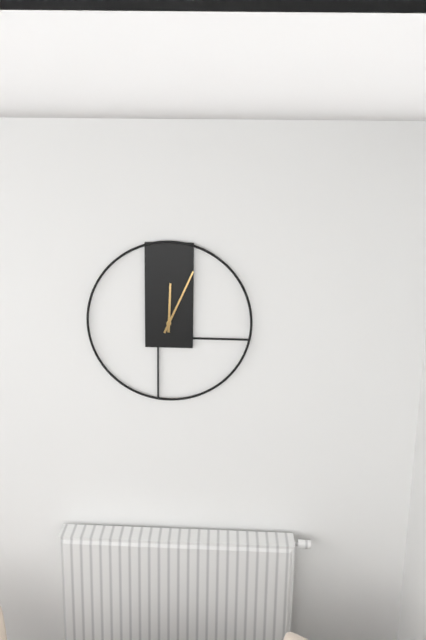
12:04
